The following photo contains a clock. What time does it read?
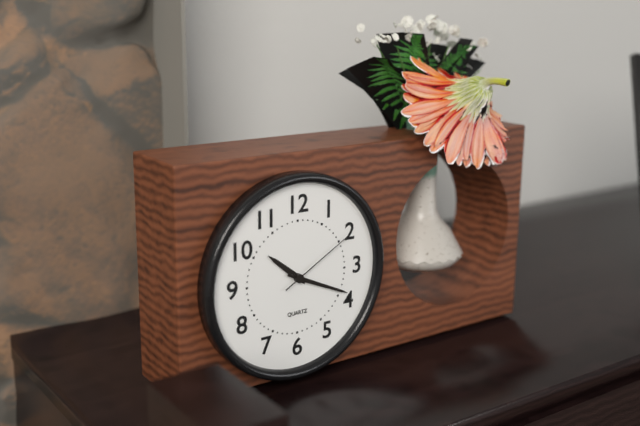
10:19:10
